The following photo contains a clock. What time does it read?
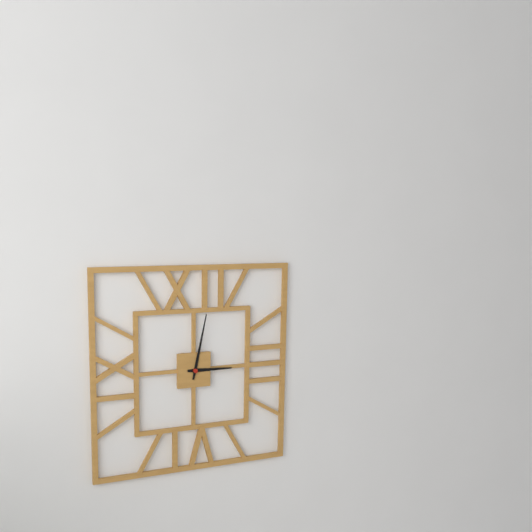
3:02
